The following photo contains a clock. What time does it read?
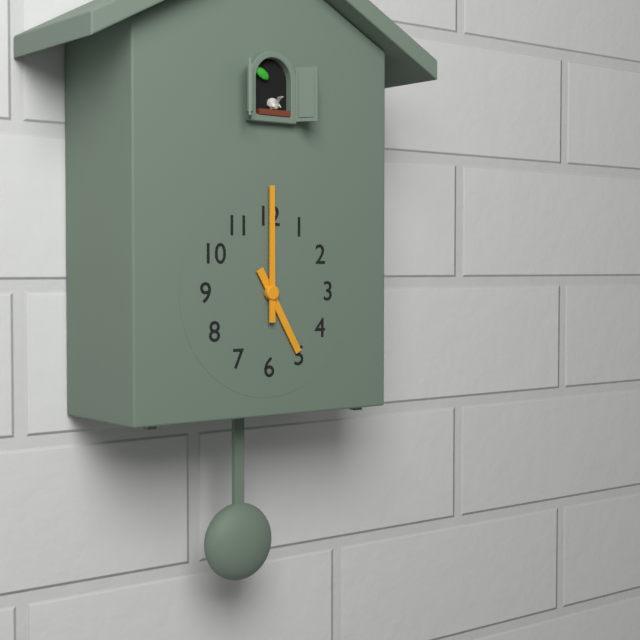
5:00
